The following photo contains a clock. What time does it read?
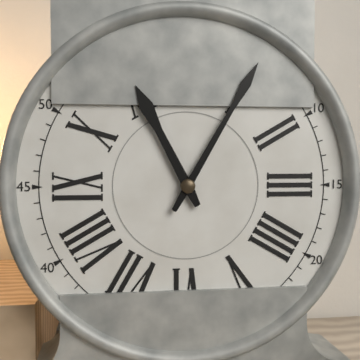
11:05
